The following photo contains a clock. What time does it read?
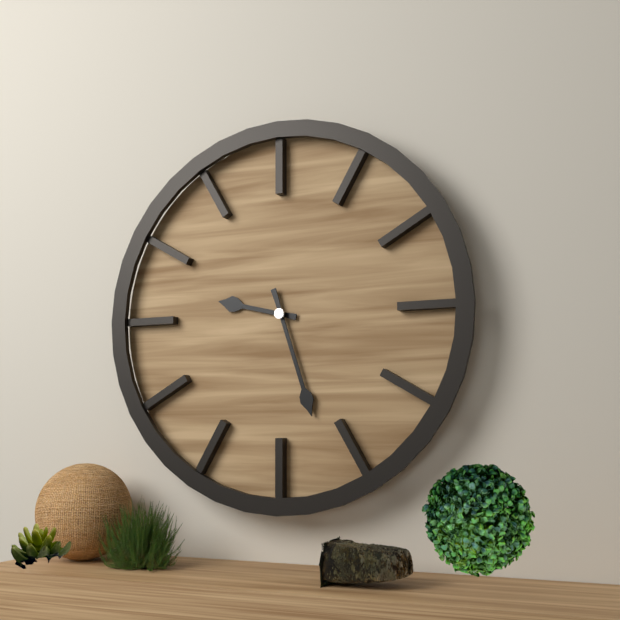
9:27
